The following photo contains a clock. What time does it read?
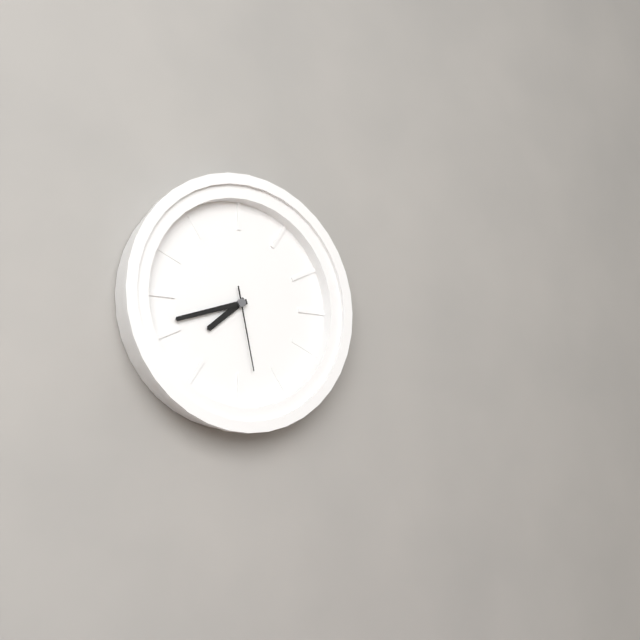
7:42:28
